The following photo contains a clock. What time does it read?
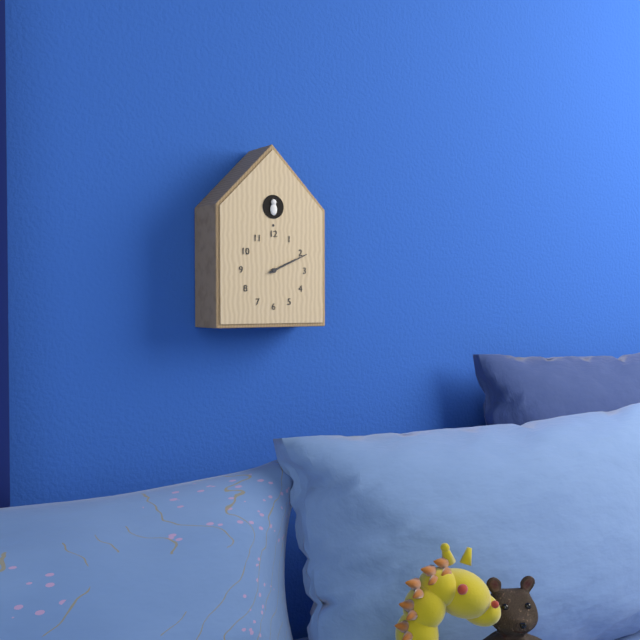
2:11
